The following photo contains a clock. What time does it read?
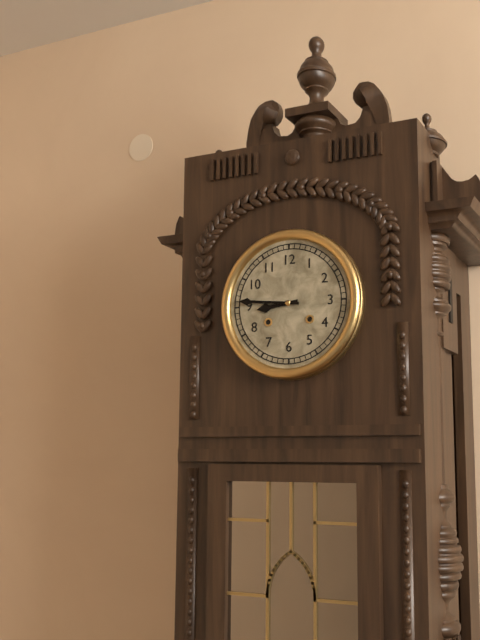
8:46
